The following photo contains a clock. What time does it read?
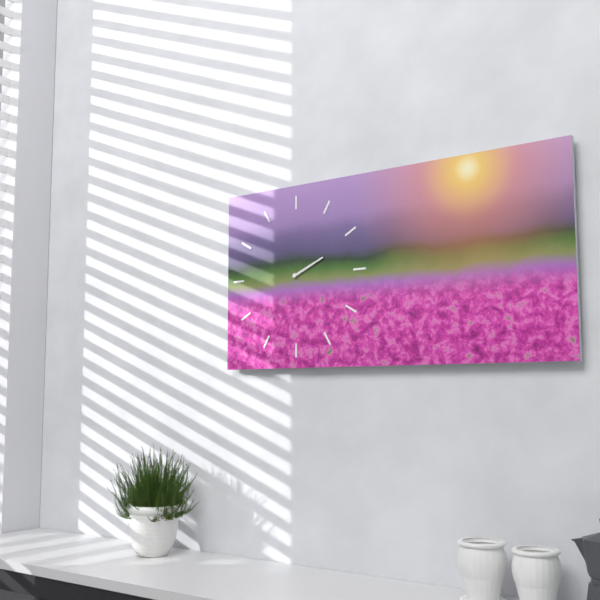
2:11
